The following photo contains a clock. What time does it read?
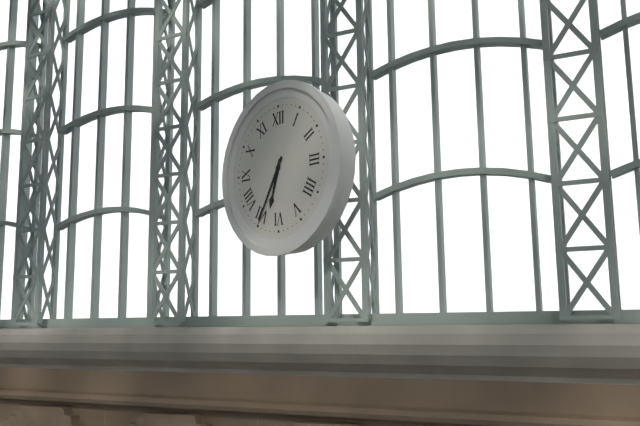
6:35
